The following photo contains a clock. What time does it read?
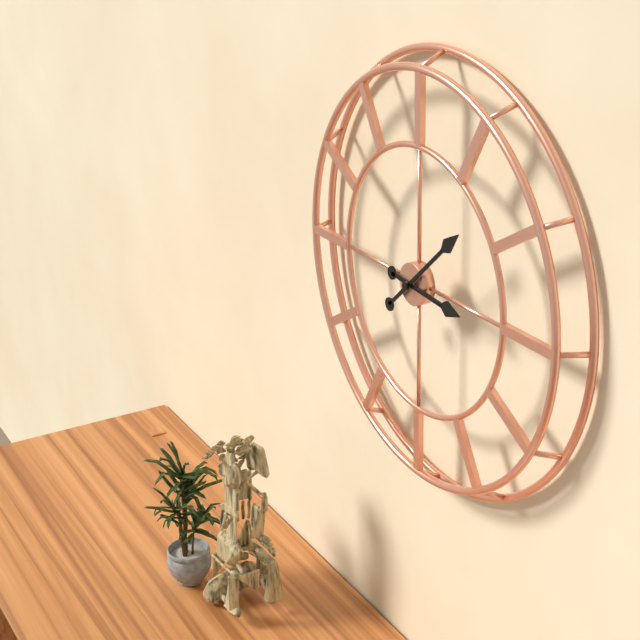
3:08
